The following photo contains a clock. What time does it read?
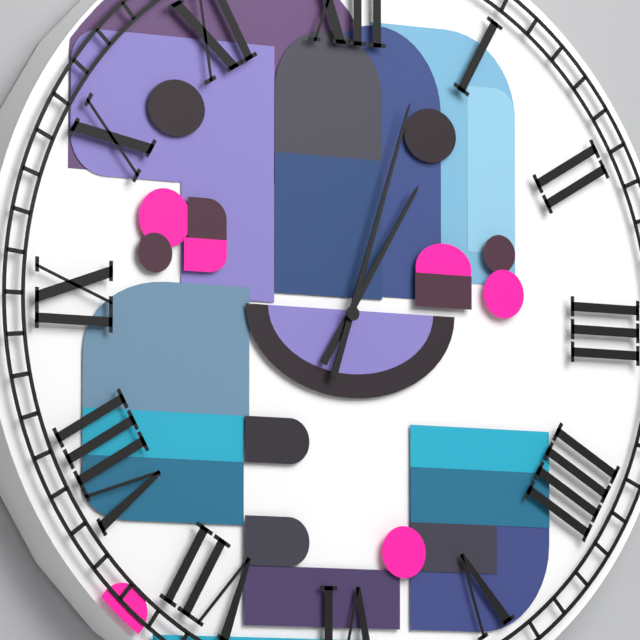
1:03
